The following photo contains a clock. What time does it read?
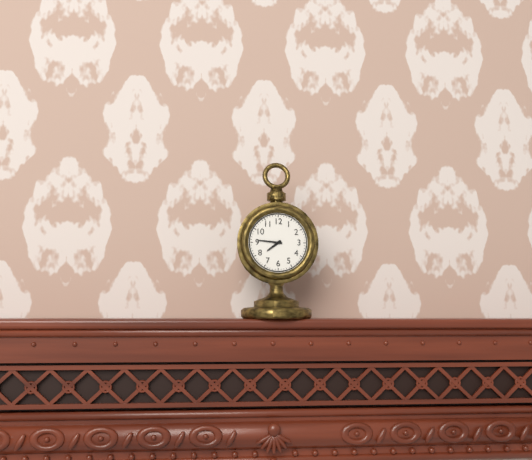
7:46
